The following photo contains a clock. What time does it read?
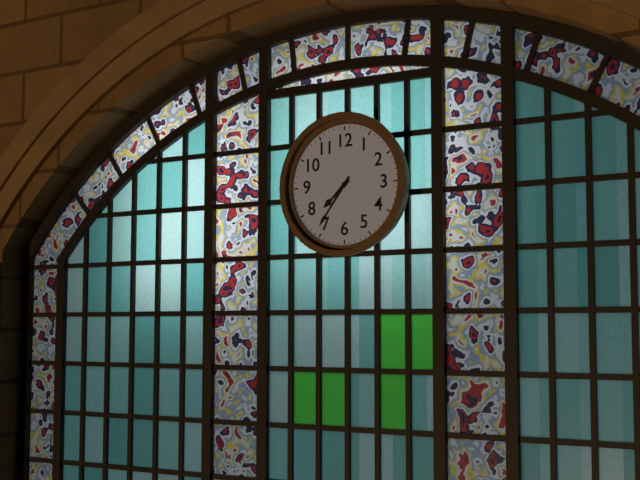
7:36
